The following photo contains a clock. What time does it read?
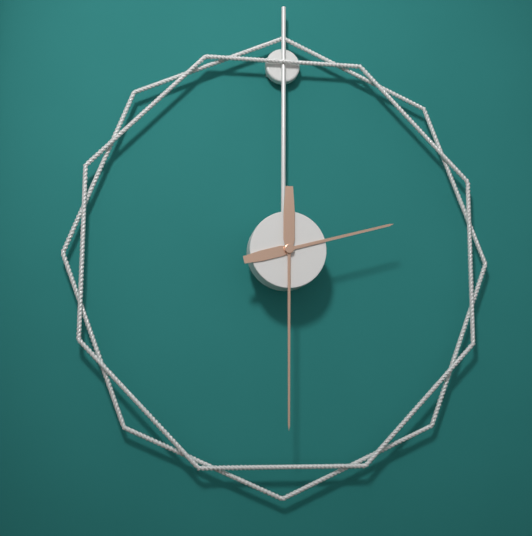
2:30
